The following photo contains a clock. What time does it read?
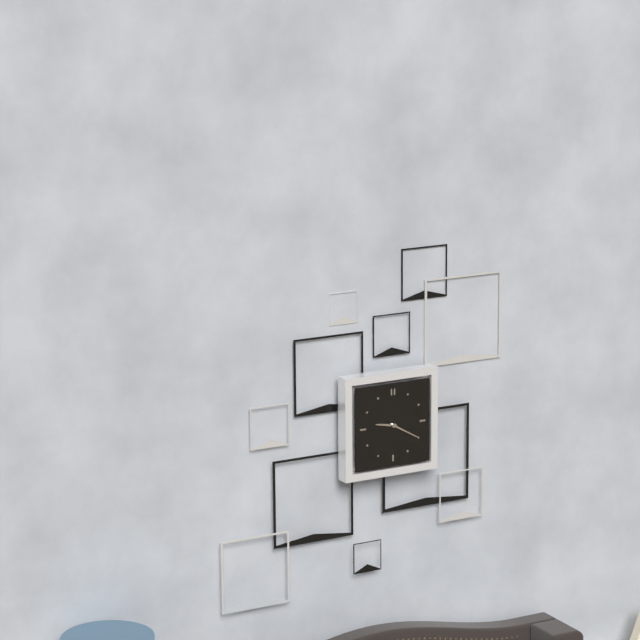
9:20
